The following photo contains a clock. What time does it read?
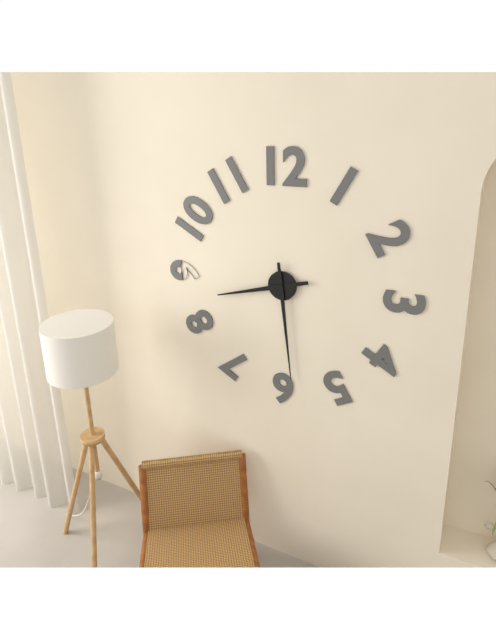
8:29
